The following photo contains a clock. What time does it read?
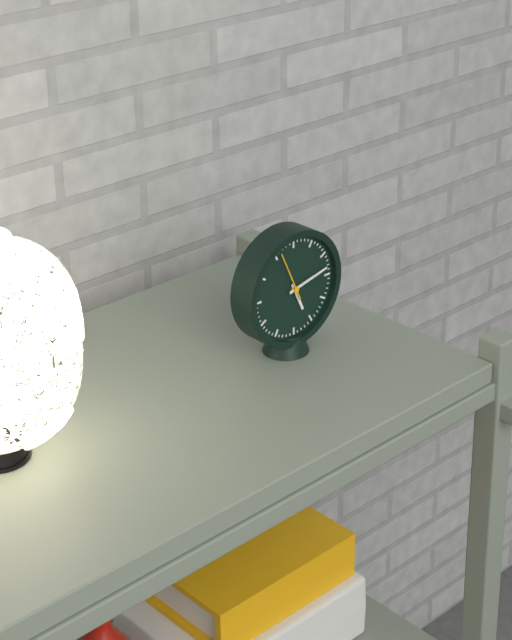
5:13
